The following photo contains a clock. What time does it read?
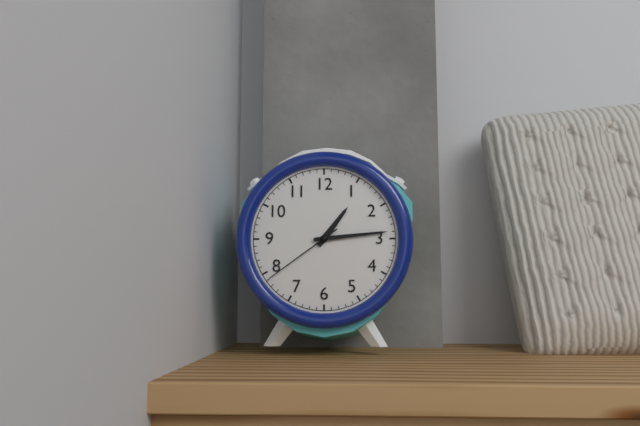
1:14:39
